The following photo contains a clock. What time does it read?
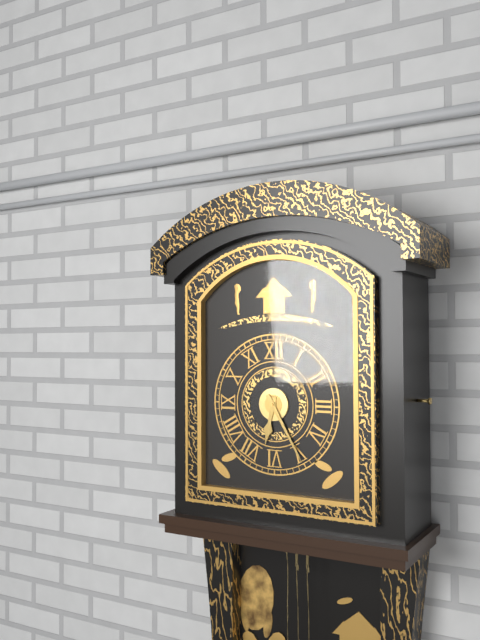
6:25
